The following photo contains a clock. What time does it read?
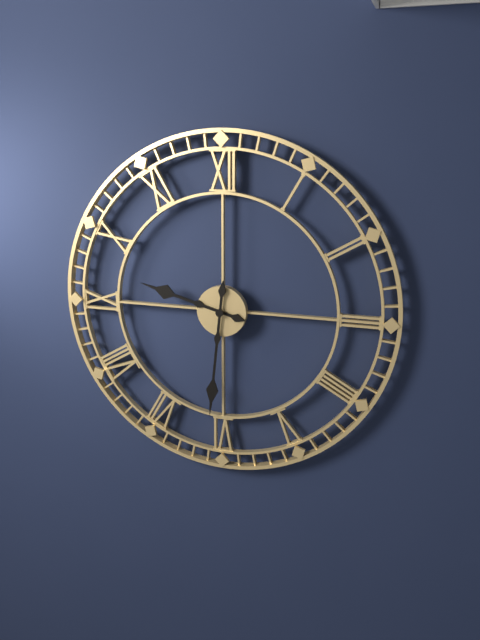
9:31
